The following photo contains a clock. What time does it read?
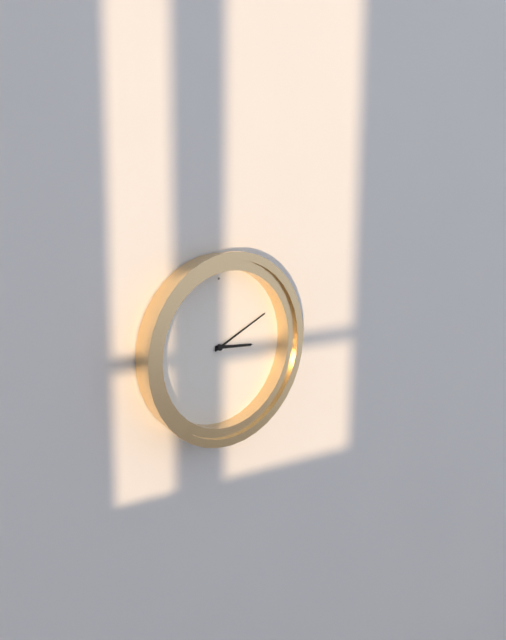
3:11
